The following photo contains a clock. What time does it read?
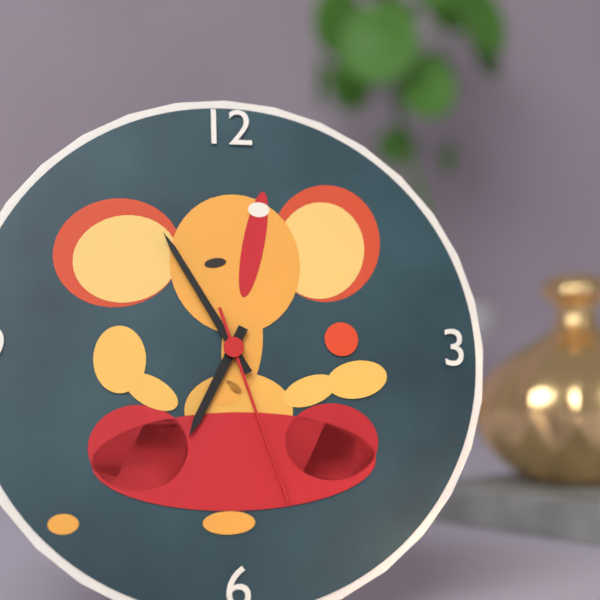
6:55:27
